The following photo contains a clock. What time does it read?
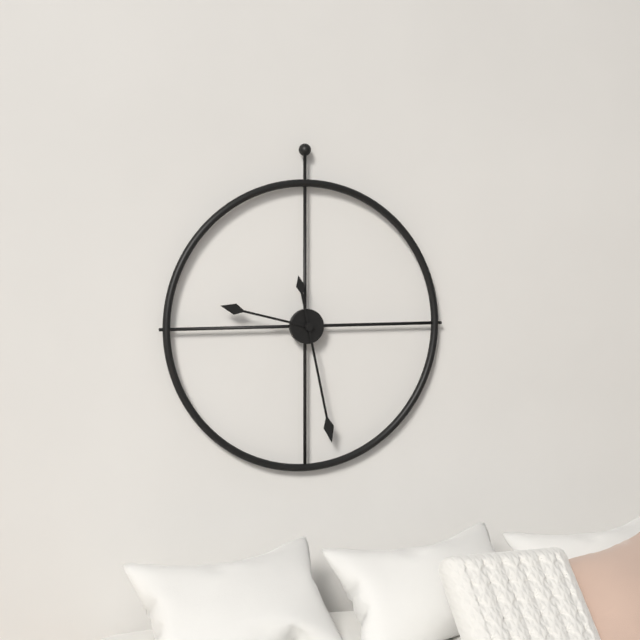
9:28
